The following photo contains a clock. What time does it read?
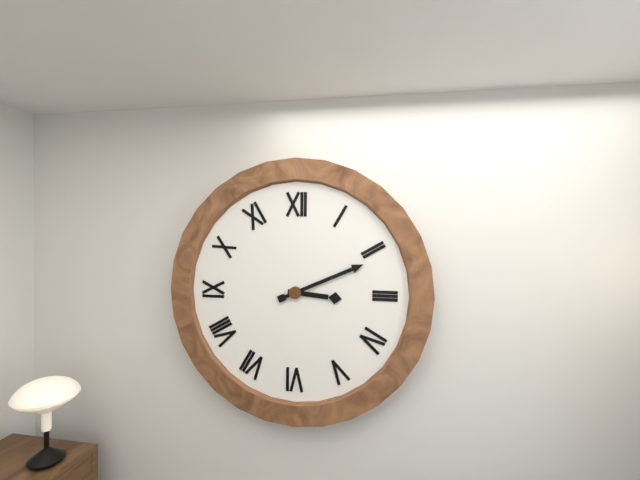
3:11
